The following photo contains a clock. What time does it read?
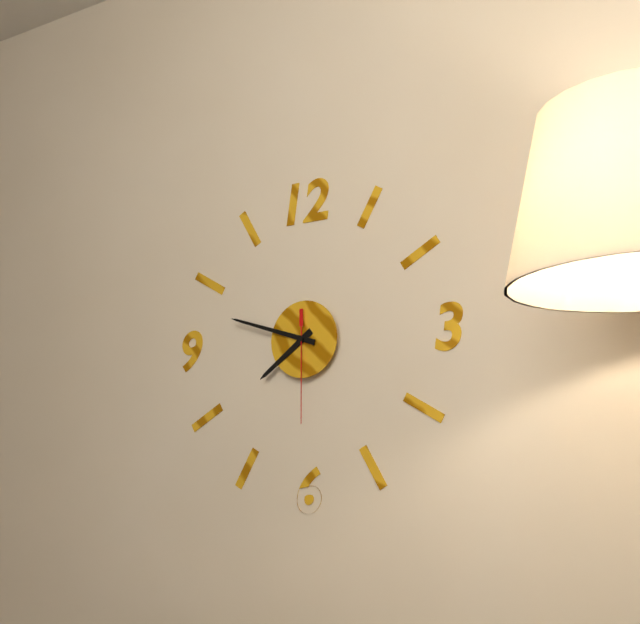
7:48:30
